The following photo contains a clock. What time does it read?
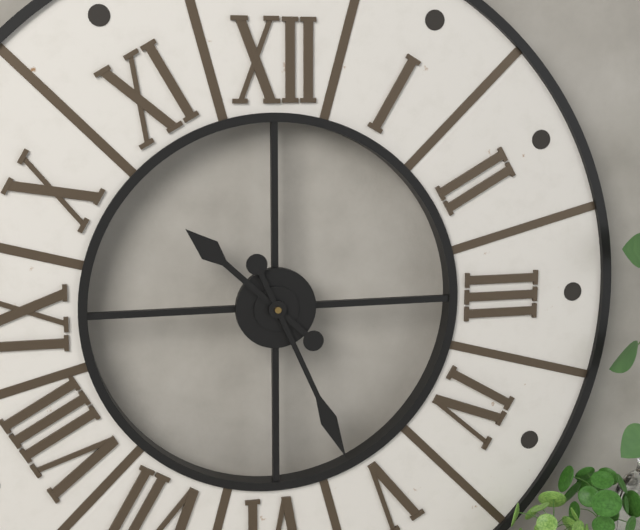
10:26
